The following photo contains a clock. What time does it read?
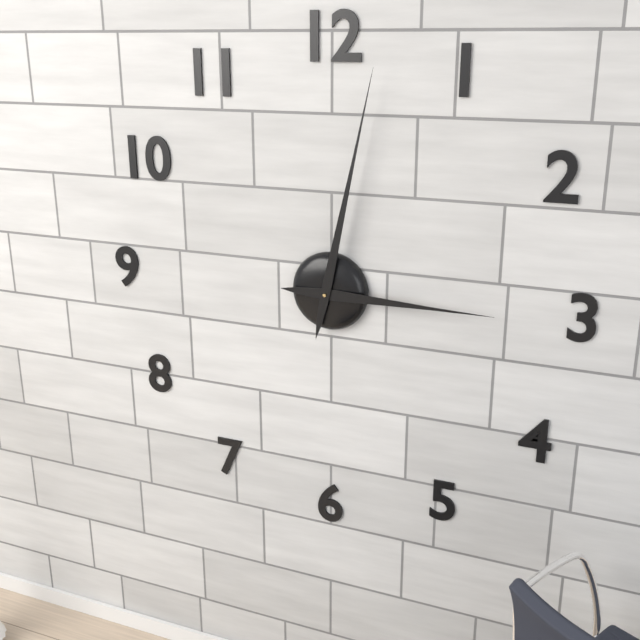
3:02
